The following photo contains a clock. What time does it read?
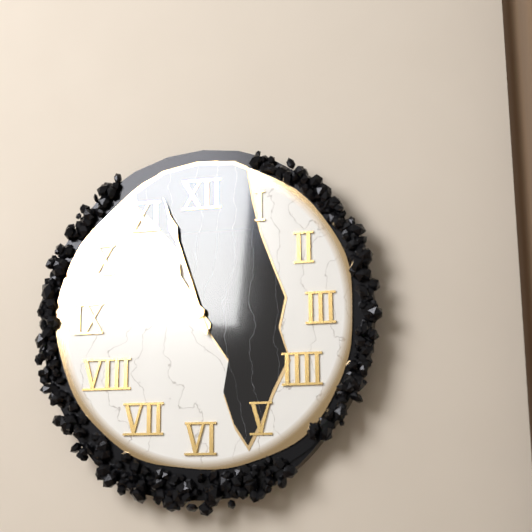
10:57
